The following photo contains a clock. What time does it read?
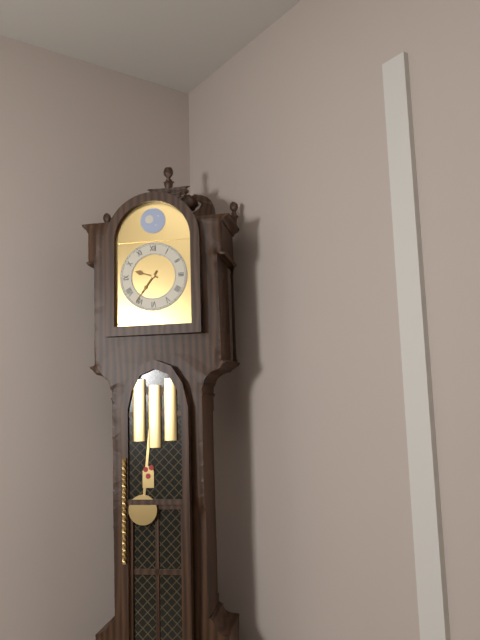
9:36
